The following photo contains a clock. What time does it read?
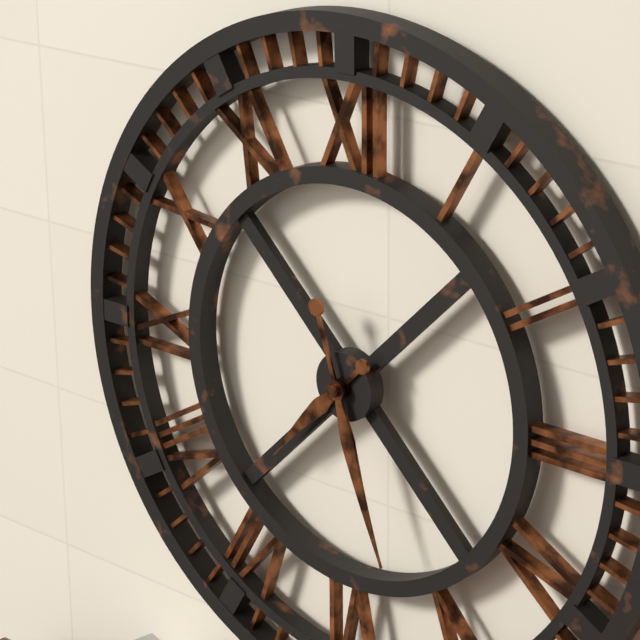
7:27
